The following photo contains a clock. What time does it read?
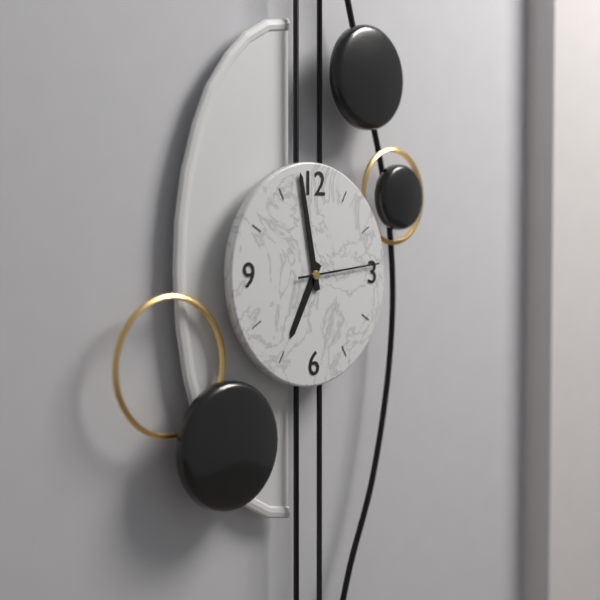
6:58:14
